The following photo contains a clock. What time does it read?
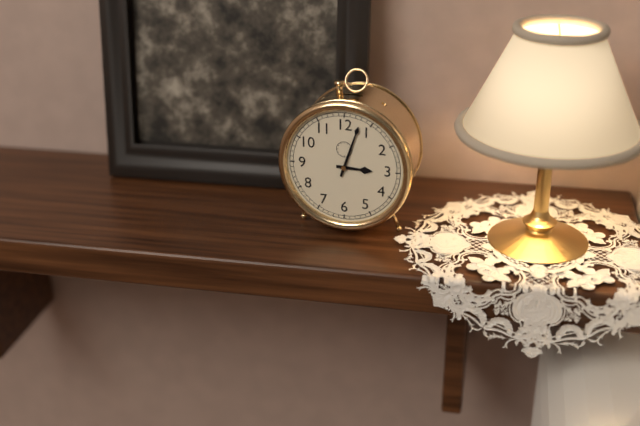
3:03
